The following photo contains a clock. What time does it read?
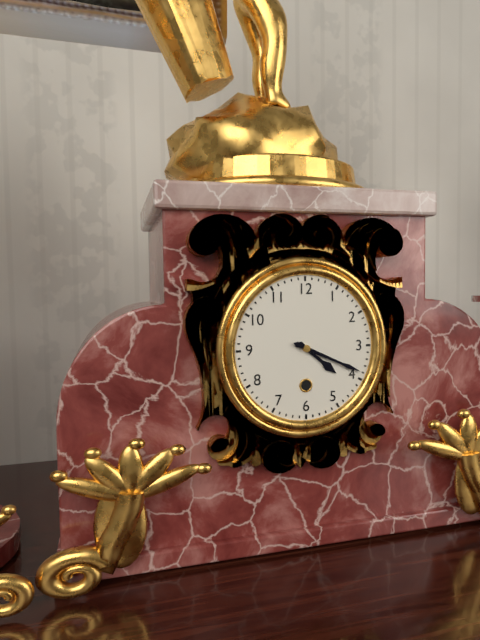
4:19
